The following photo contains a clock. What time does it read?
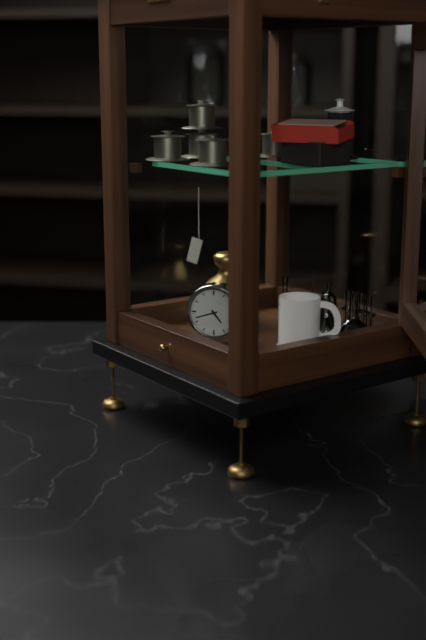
4:42
